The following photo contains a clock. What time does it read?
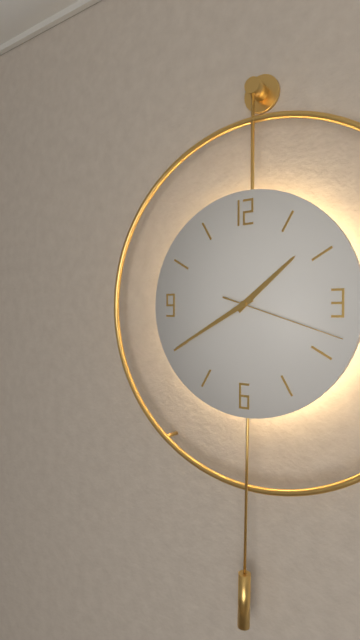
1:40:18
